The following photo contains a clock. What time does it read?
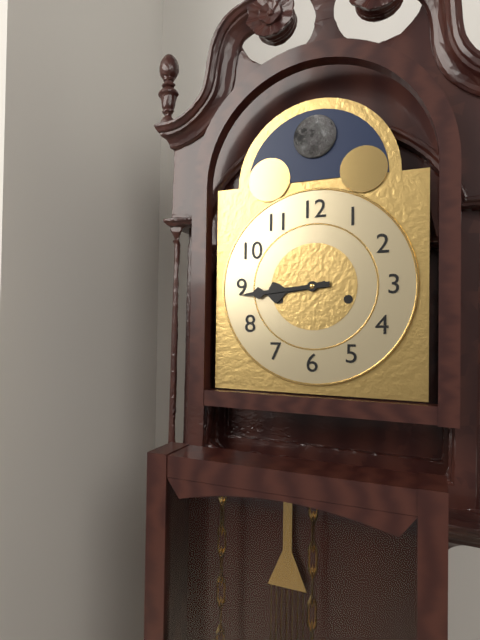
8:44
